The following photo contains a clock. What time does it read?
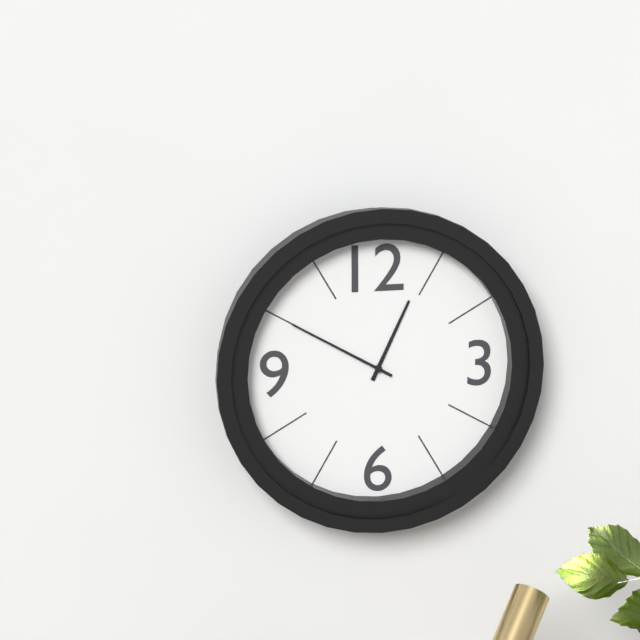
12:50
